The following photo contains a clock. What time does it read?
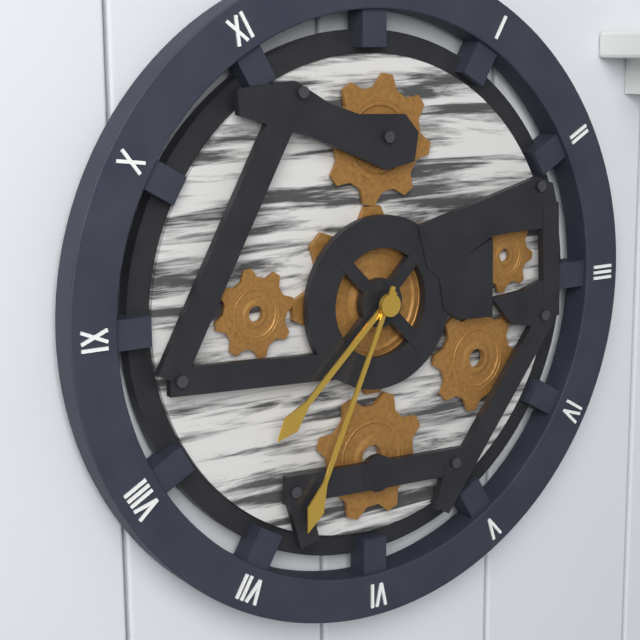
7:34
